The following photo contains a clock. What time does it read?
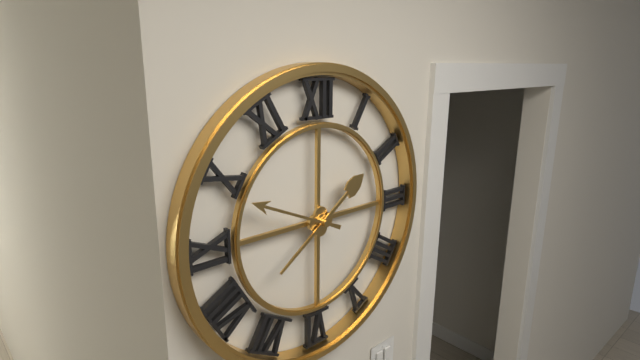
1:49
